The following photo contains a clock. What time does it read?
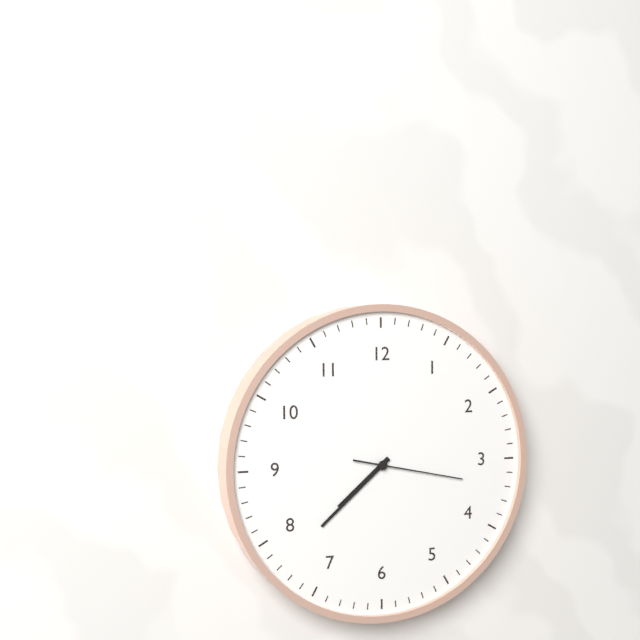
7:38:17
